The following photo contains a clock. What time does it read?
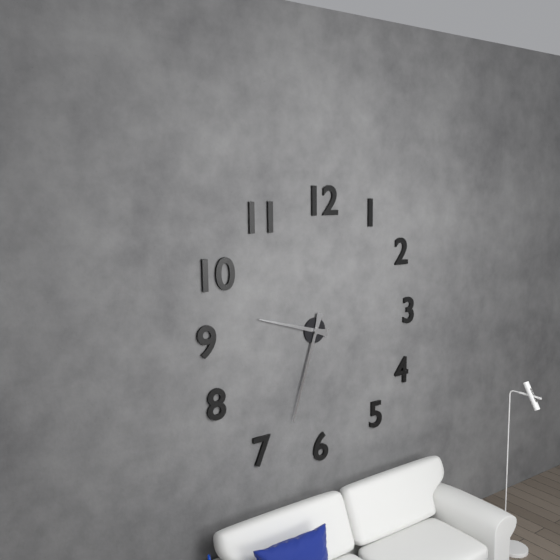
9:33
